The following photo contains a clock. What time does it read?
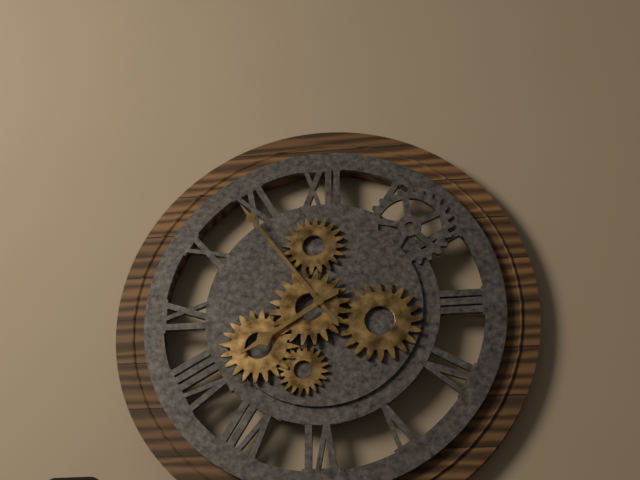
7:54
